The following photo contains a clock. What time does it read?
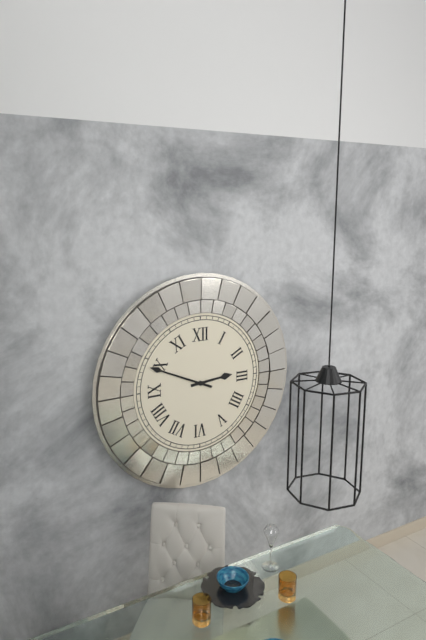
2:49
